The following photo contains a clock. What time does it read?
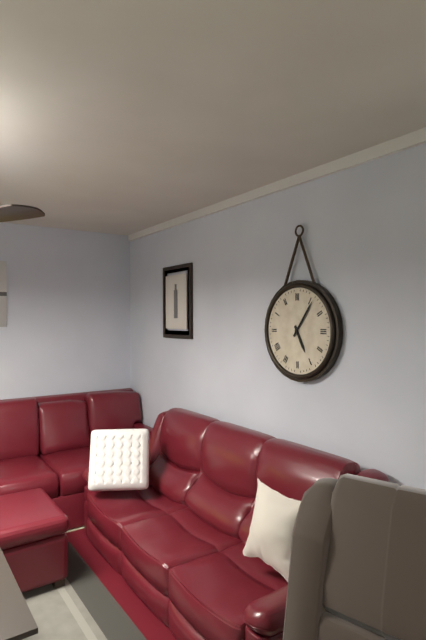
5:06
